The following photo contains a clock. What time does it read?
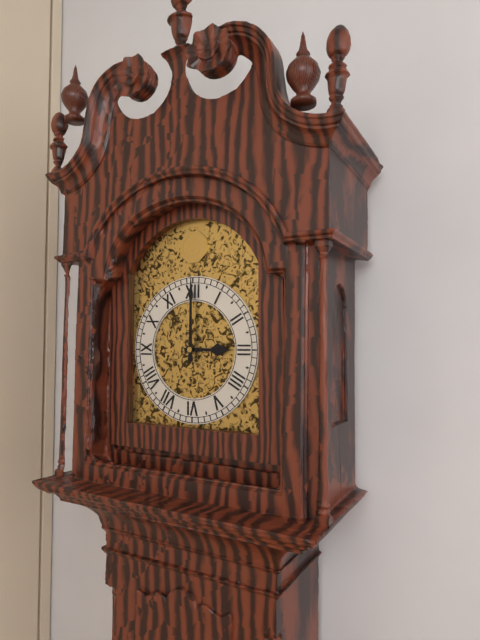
3:00
